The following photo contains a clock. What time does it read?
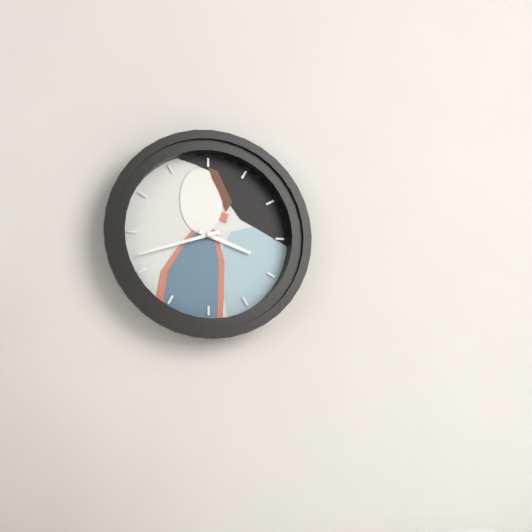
3:42
